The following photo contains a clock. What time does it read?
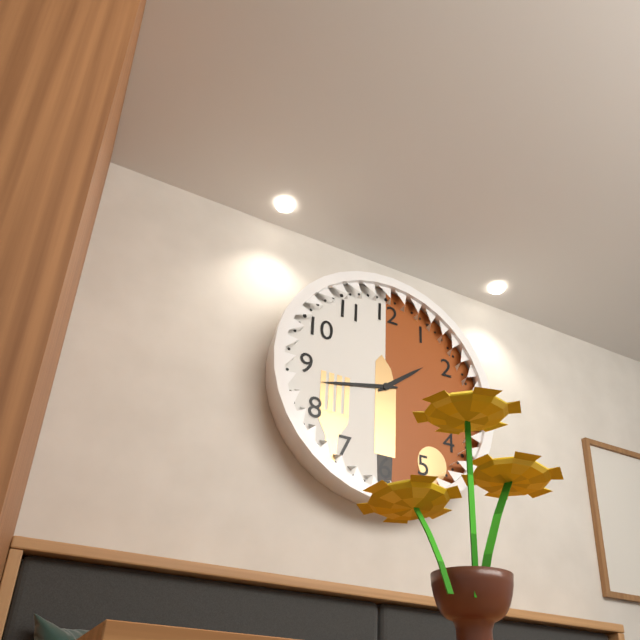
1:43
